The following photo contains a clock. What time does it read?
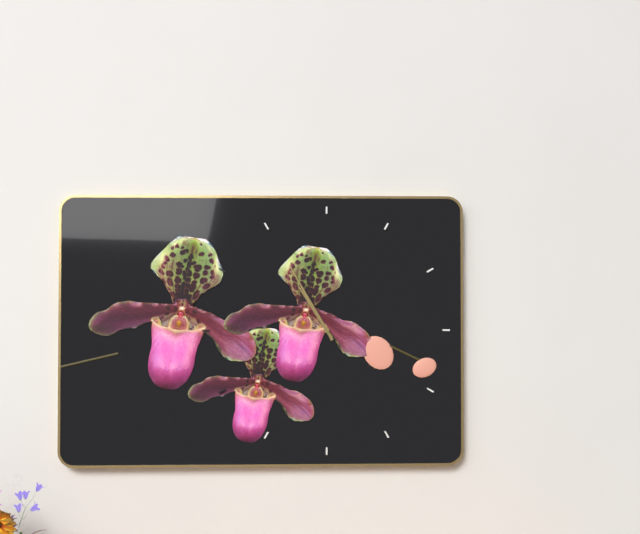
10:55
